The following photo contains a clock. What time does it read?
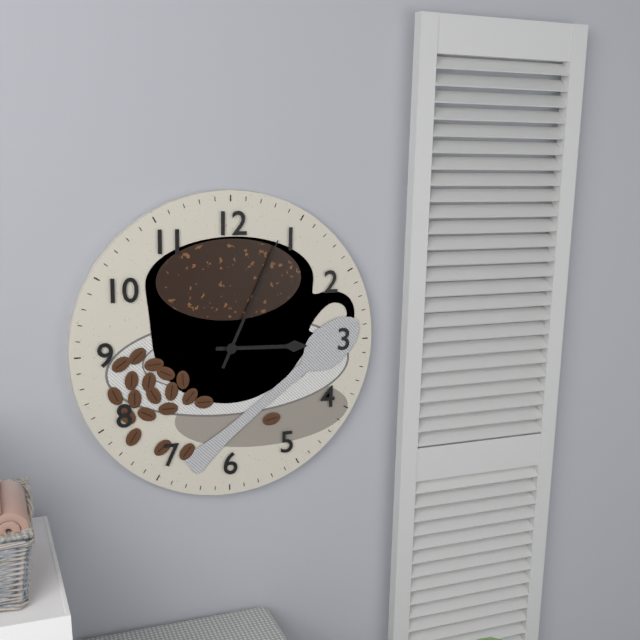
3:04
